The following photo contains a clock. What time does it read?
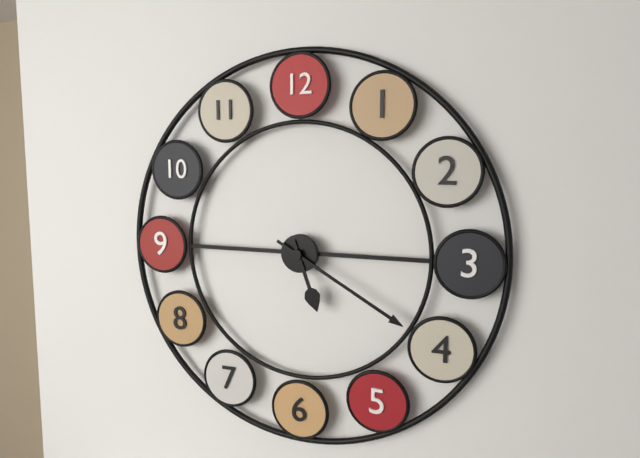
5:20
